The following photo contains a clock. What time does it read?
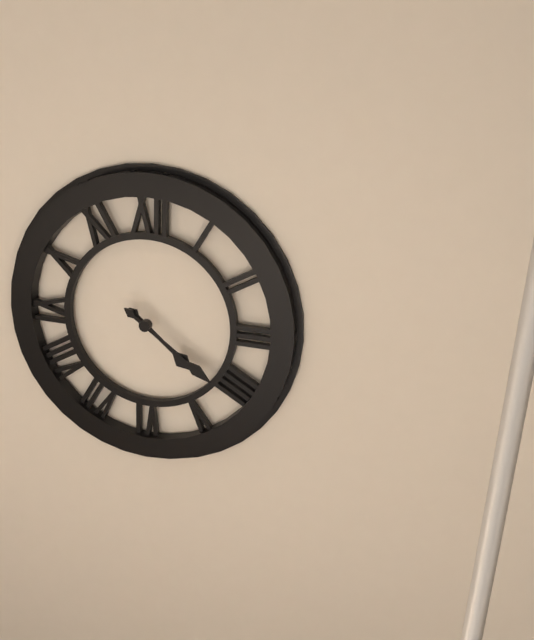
4:21
